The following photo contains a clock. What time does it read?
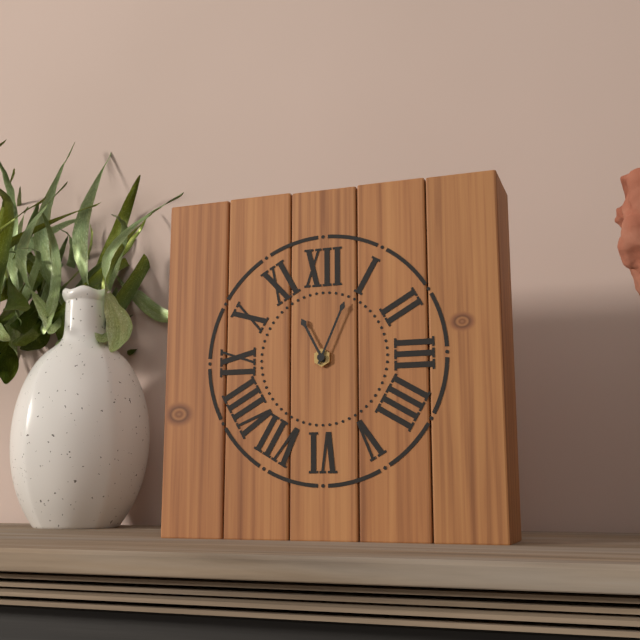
11:04
